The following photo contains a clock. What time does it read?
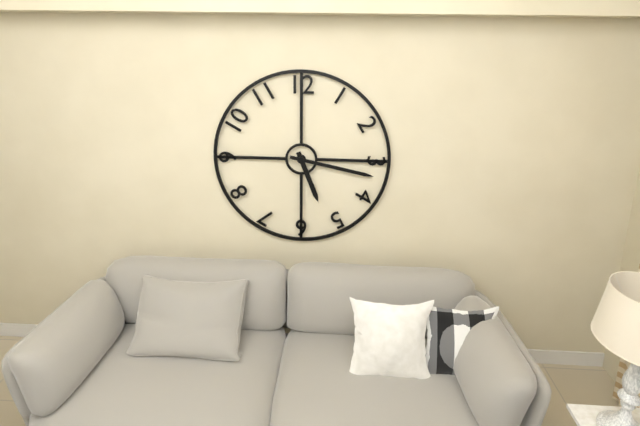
5:17
